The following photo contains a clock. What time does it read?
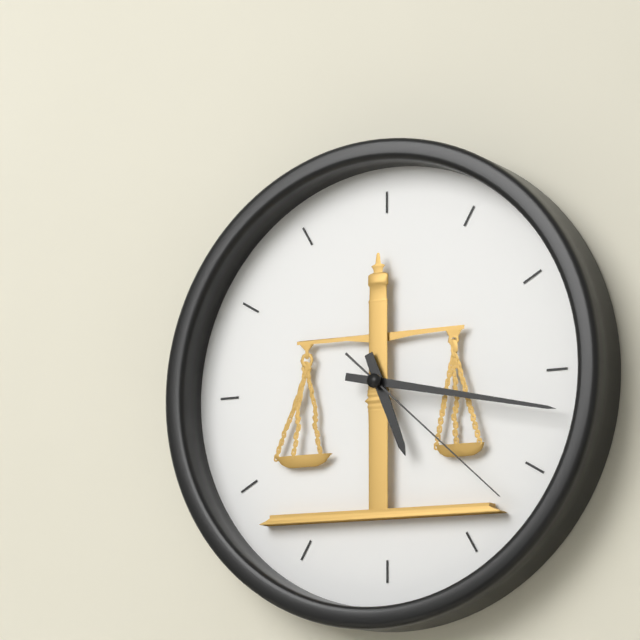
5:17:22
